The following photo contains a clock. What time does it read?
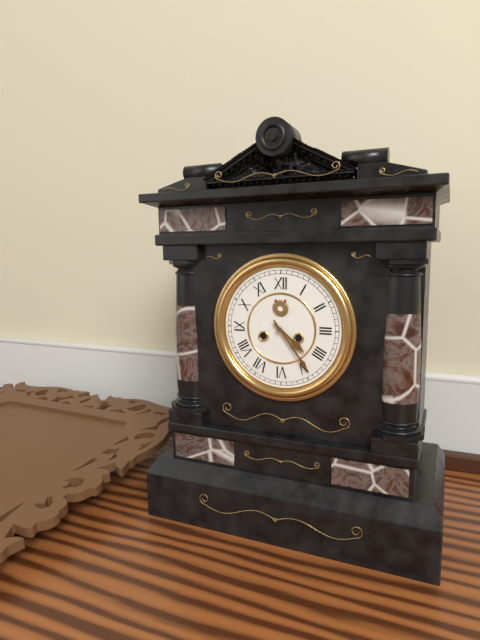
4:24
